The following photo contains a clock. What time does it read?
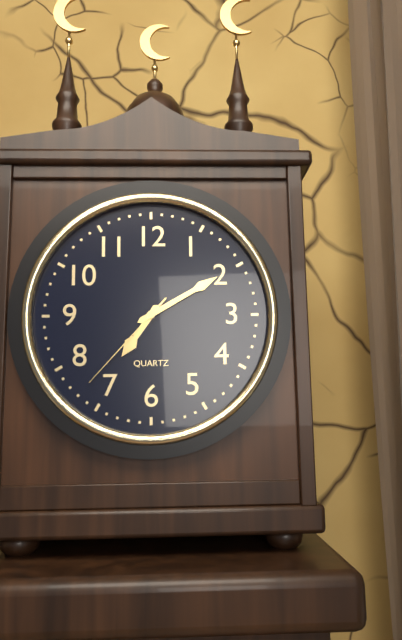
7:10:37
